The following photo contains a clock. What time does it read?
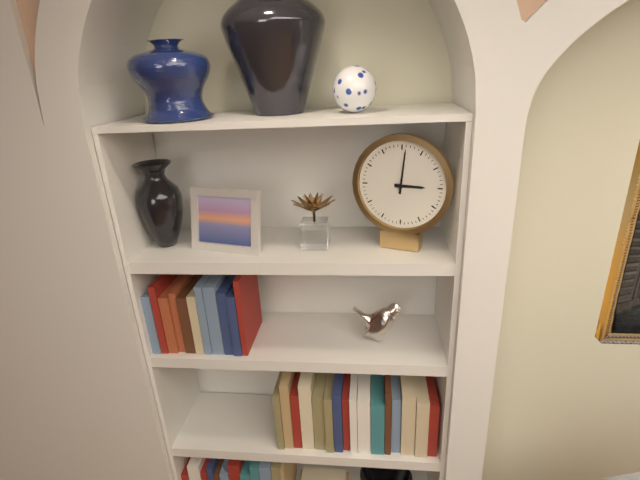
3:01
